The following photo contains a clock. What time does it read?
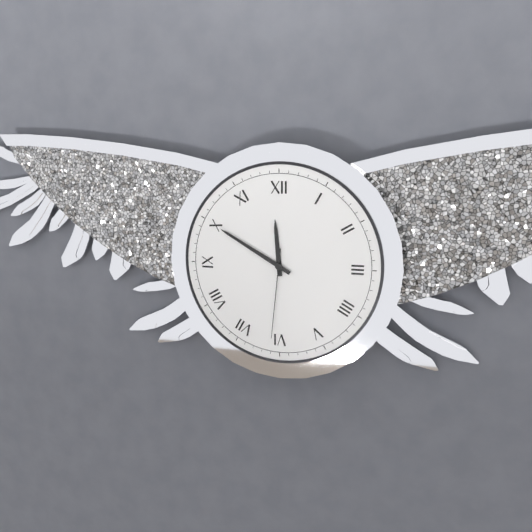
11:50:31
